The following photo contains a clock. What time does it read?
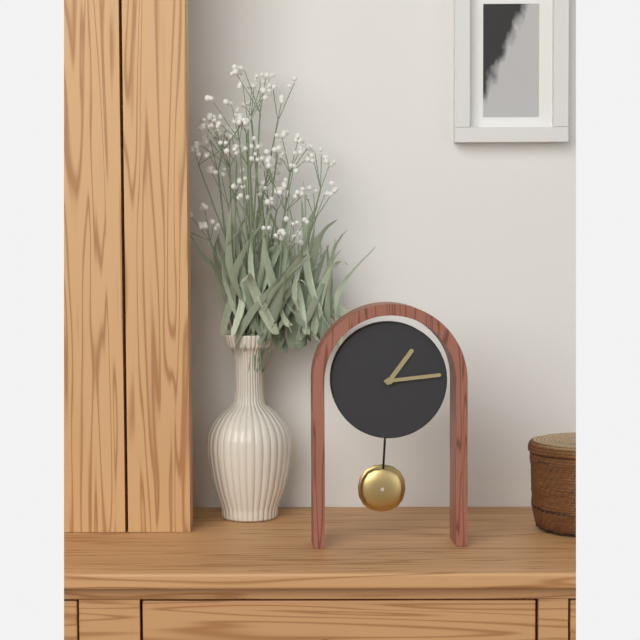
1:14
